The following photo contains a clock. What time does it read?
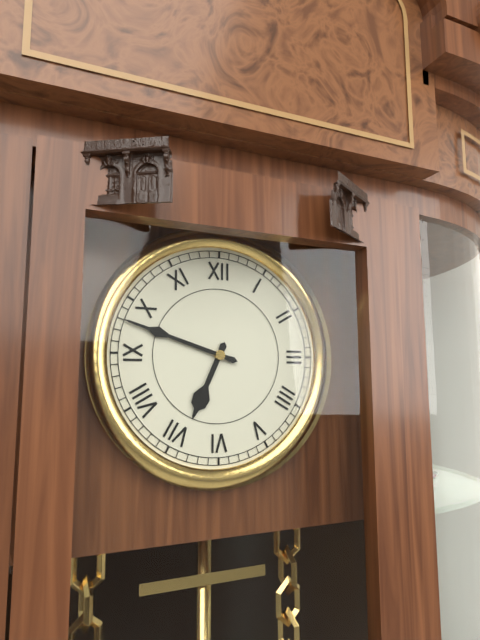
6:48
